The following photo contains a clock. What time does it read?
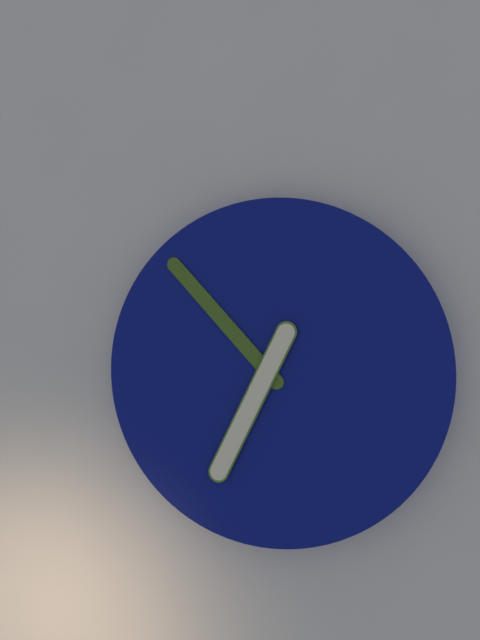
6:53
